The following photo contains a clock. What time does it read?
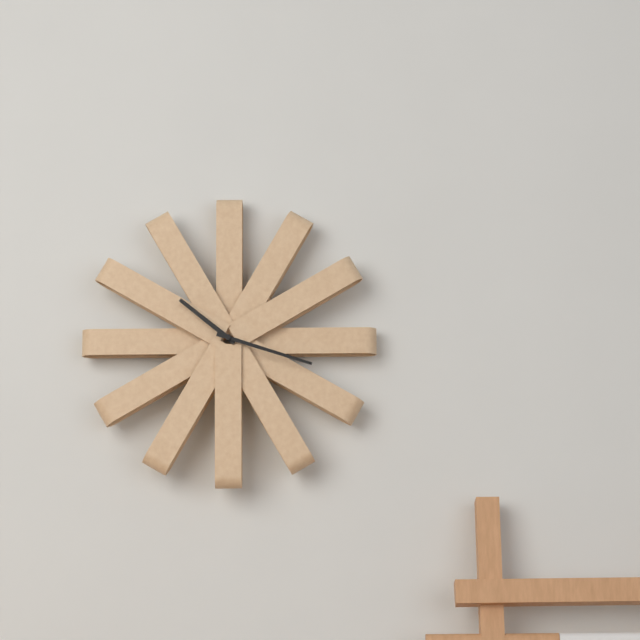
10:18
